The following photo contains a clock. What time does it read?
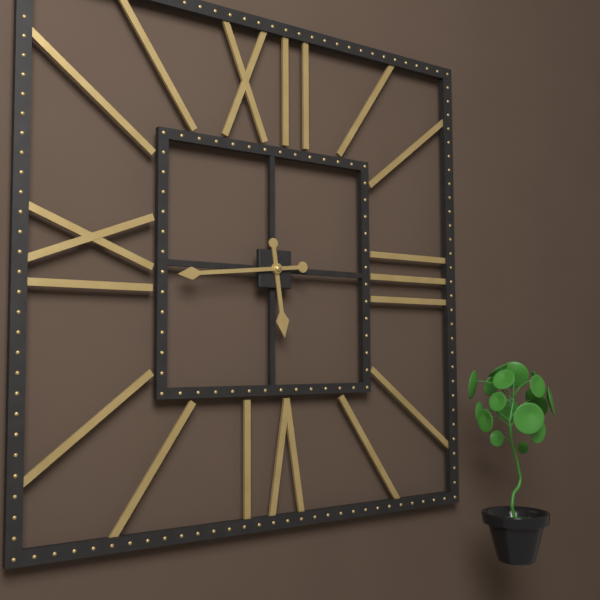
5:44
